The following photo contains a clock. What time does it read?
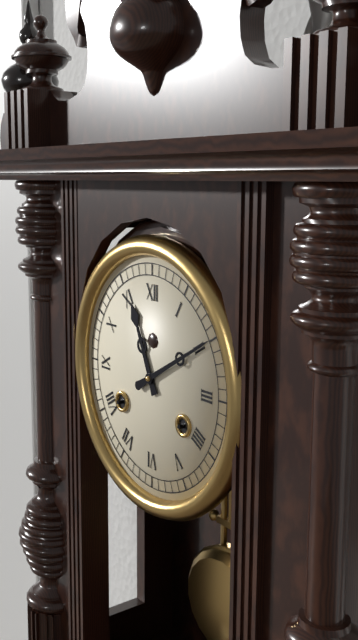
11:10
